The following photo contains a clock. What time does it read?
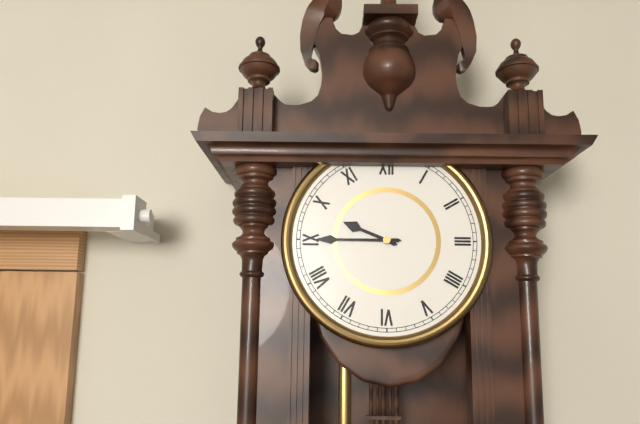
9:45
